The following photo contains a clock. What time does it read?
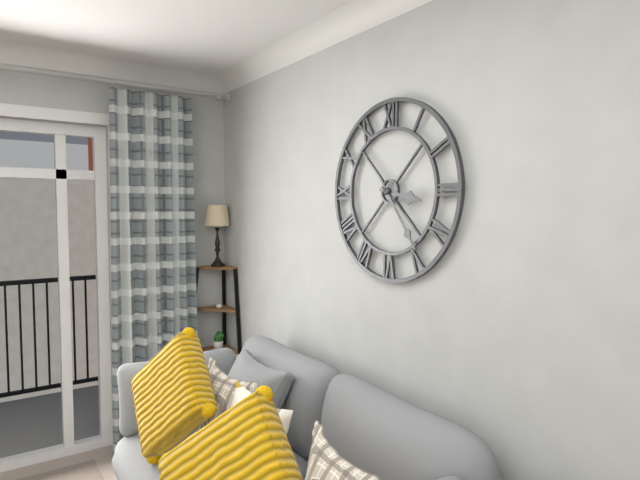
3:24
